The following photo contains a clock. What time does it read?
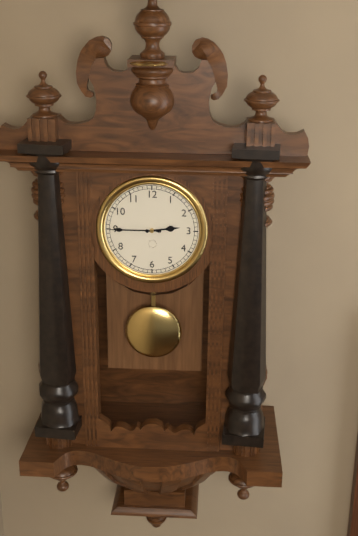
2:45
